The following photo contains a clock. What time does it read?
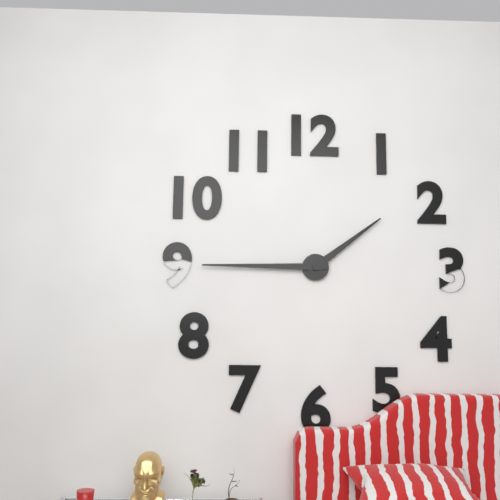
1:45
